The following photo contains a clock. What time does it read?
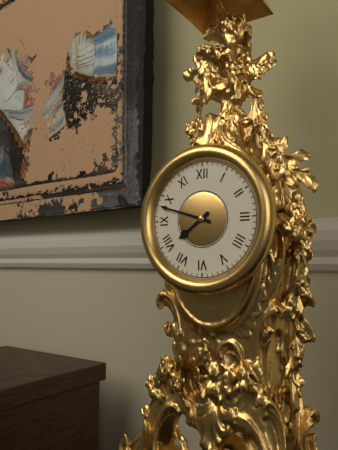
7:48
